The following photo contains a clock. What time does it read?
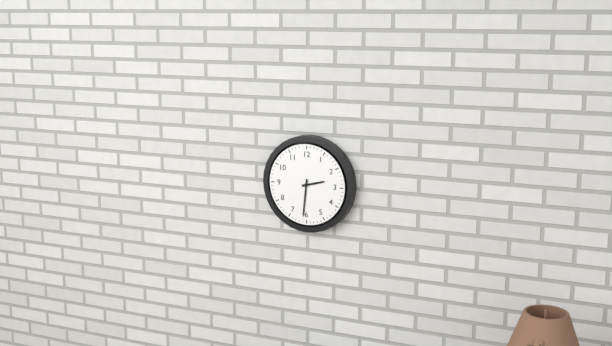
2:31
